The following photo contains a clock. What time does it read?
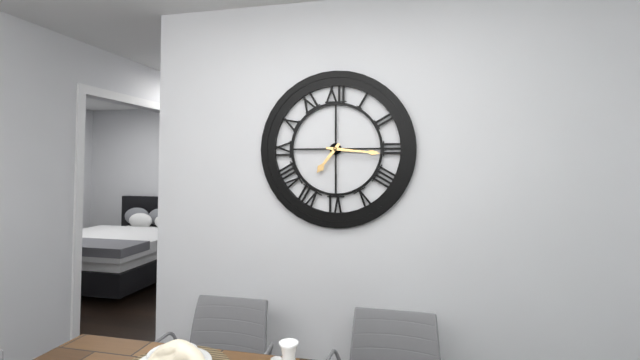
7:16
